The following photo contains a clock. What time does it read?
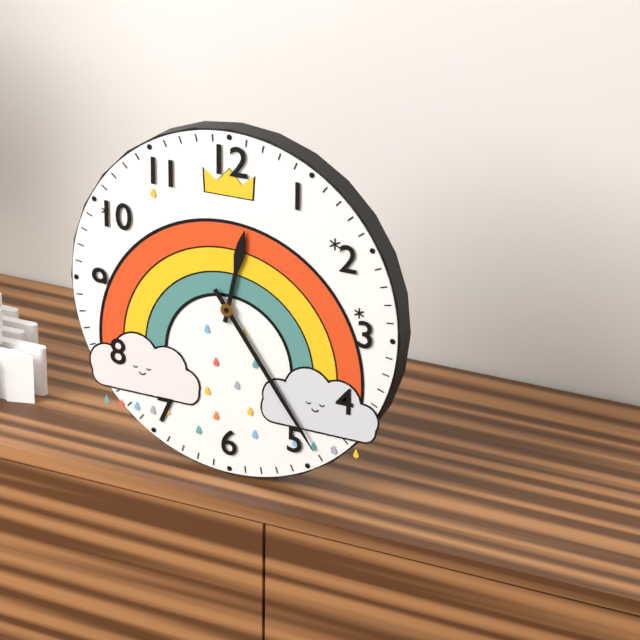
12:24
